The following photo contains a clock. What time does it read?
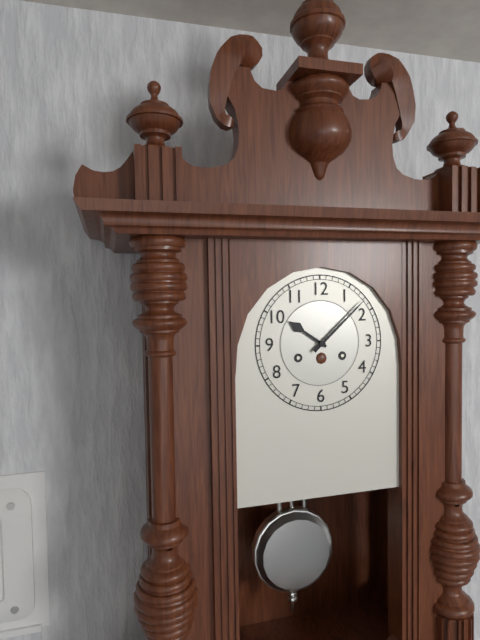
10:08
